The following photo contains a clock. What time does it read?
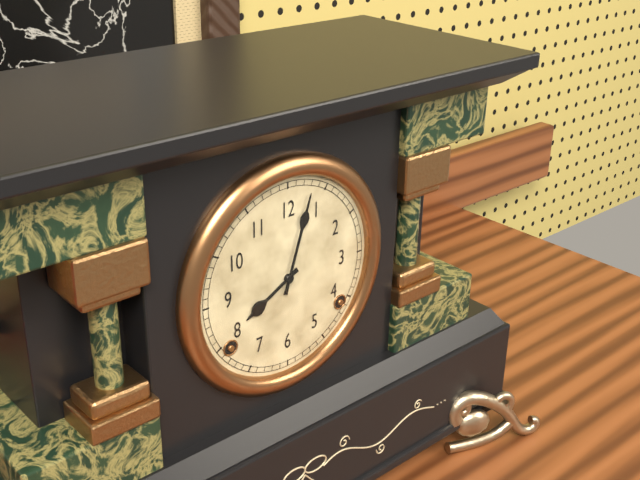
8:03
